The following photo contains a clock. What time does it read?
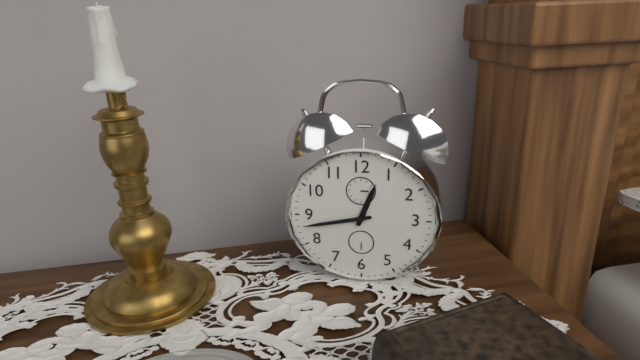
12:43
